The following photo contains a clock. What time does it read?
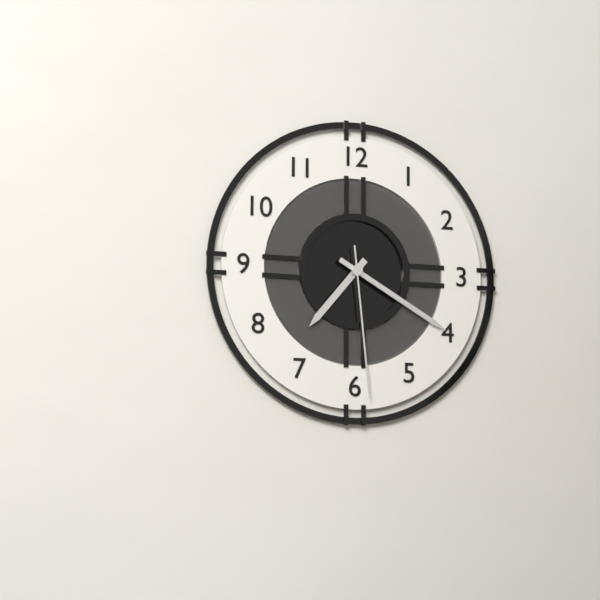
7:20:29
